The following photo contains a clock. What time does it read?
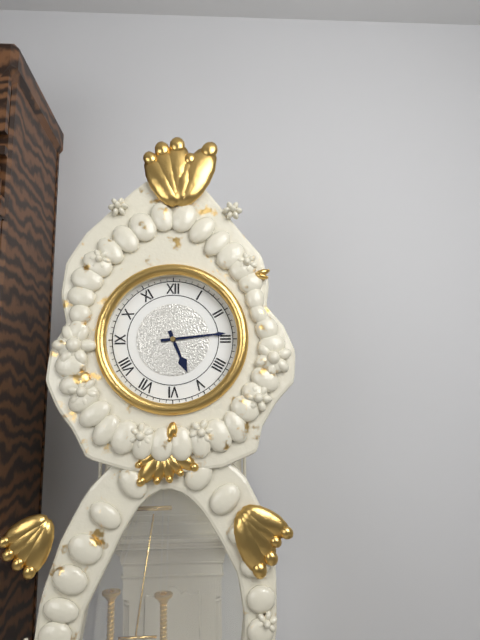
5:14
